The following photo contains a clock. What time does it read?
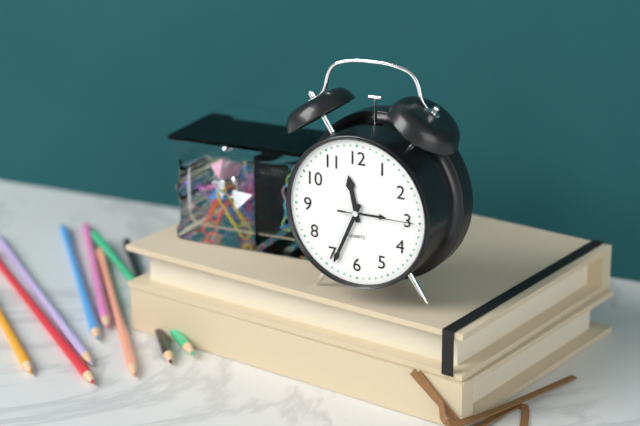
11:34:15
